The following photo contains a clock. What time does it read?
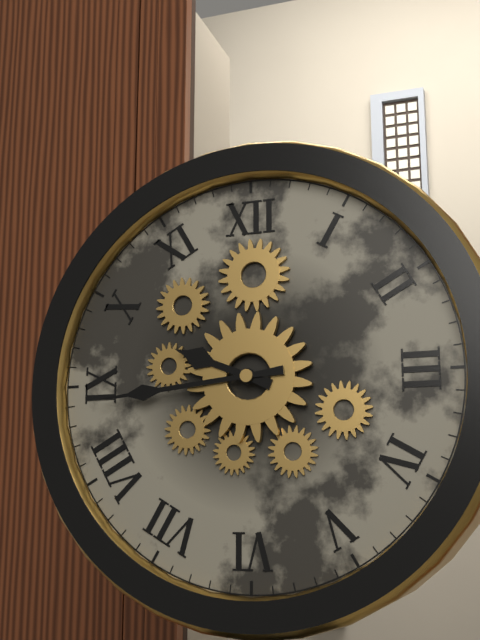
9:44
